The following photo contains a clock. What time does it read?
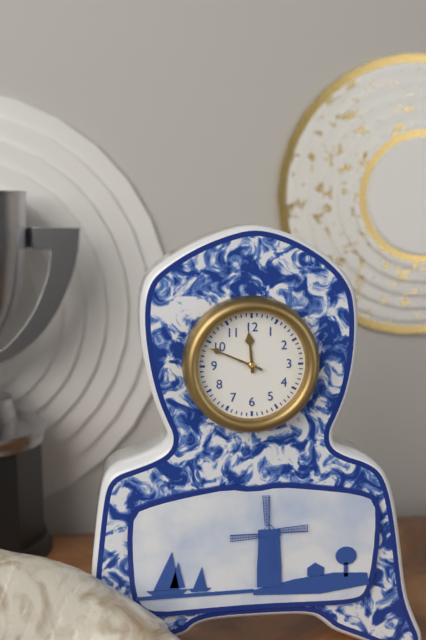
11:49
